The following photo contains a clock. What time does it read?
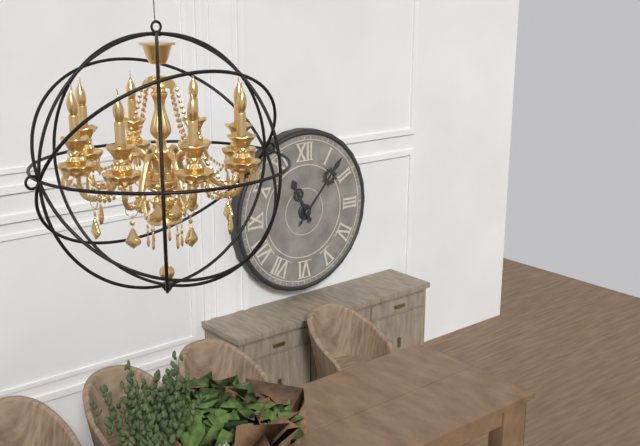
11:07
